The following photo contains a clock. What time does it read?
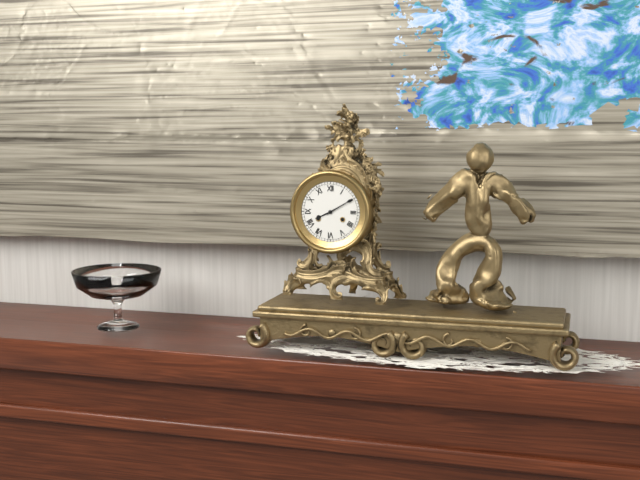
8:10
